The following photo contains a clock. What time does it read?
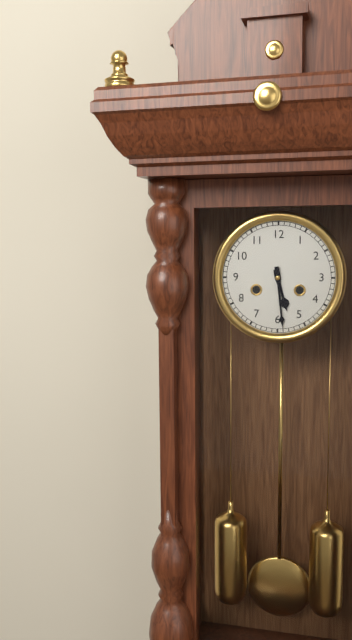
5:29
